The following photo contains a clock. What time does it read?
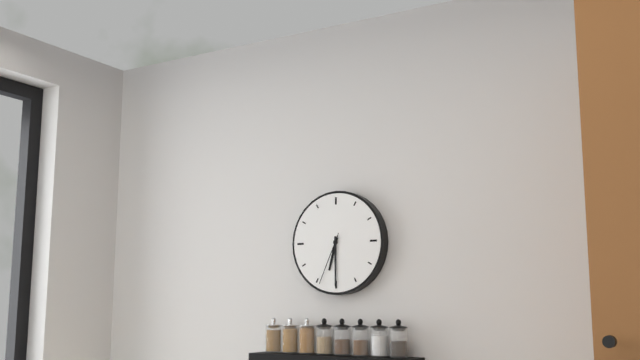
6:30:34
